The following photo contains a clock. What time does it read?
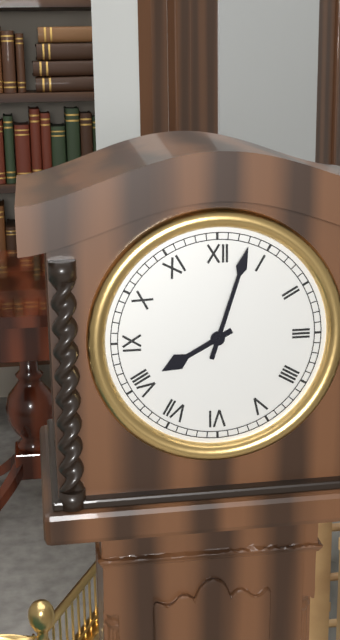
8:03
